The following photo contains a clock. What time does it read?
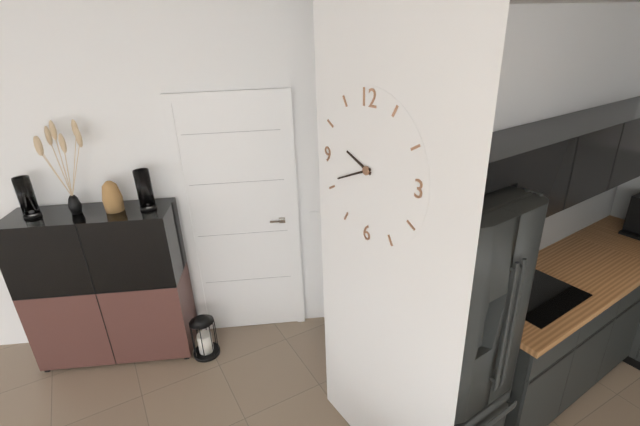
9:41
